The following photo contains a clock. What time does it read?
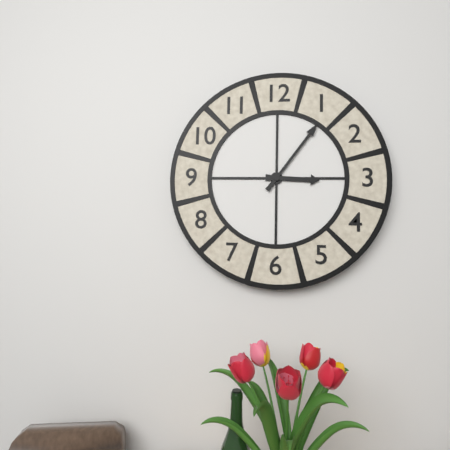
3:06
